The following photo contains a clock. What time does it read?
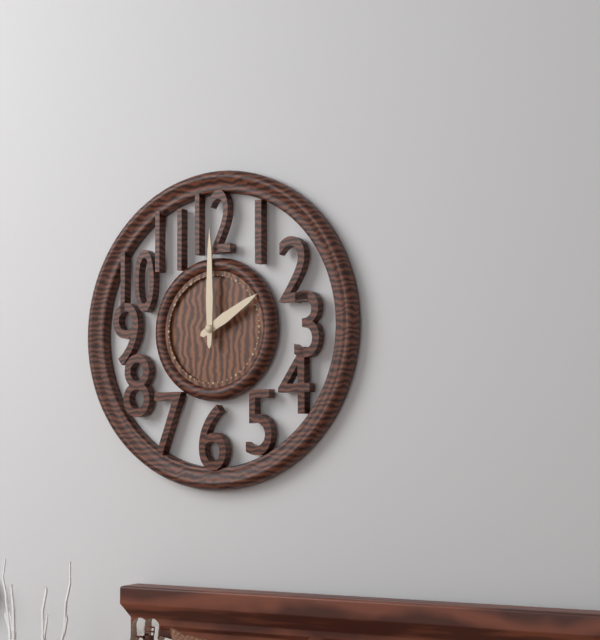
2:00
